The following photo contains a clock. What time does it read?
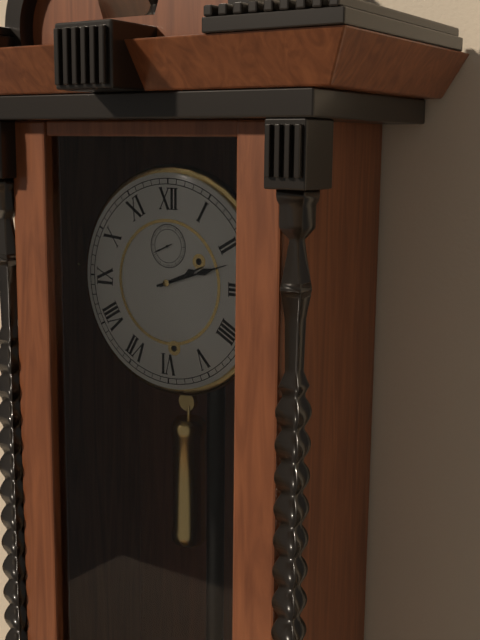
2:12
